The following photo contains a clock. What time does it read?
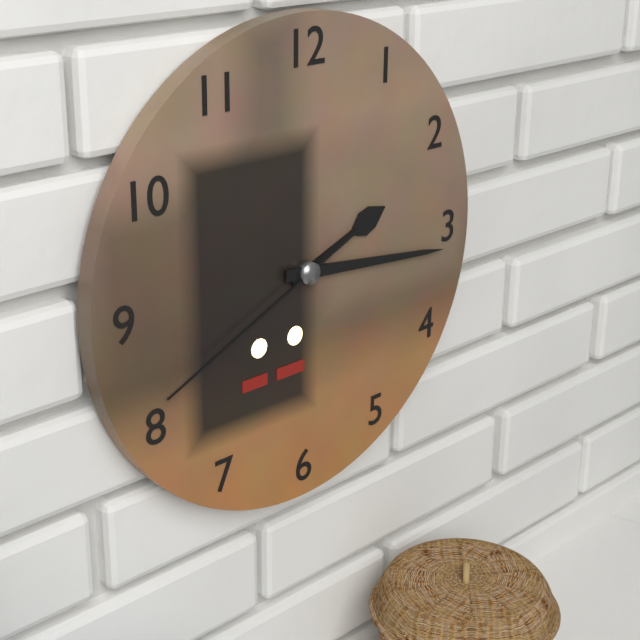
2:16:41
